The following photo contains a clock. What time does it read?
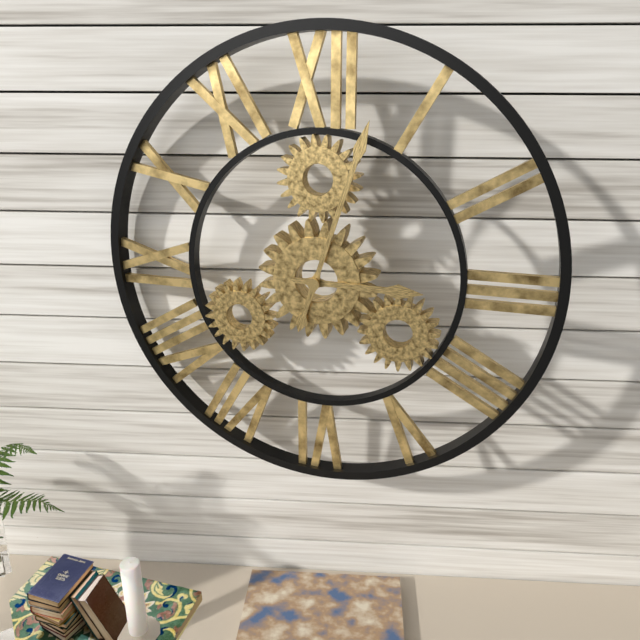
3:03
